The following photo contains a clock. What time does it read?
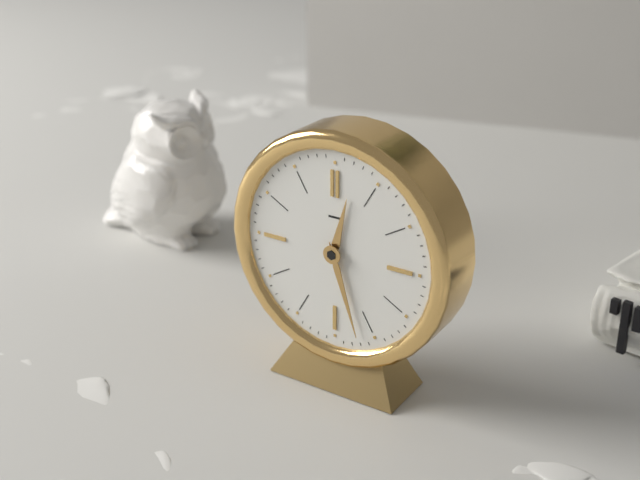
12:27
